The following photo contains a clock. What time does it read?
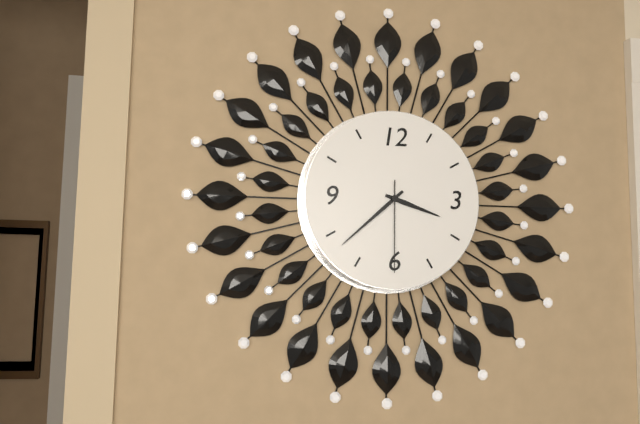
3:38:30
